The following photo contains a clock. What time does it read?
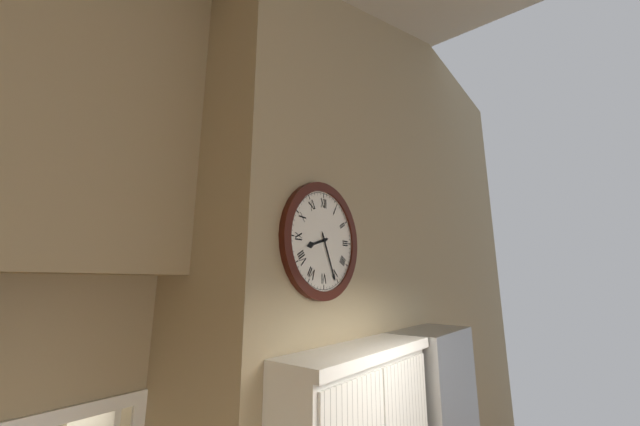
8:26
